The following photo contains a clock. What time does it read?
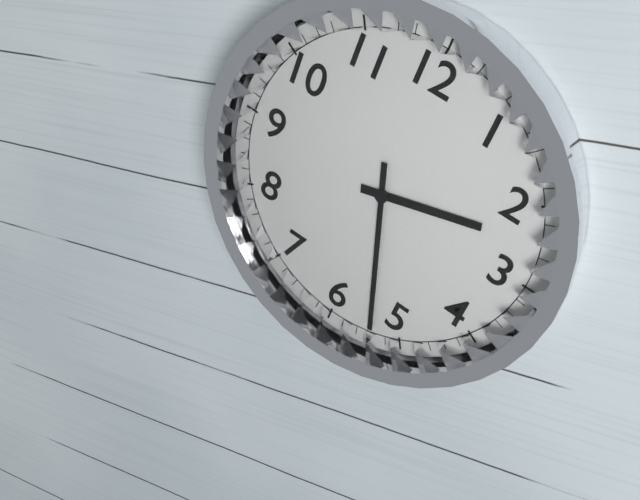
2:27
